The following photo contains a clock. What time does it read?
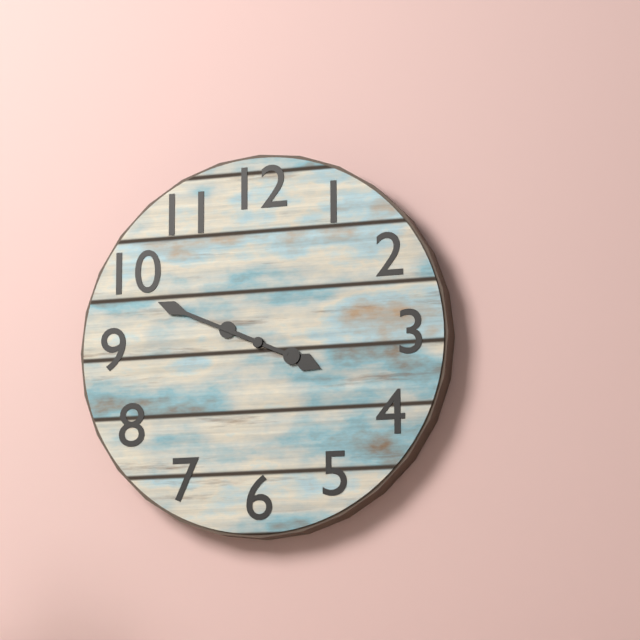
3:49
